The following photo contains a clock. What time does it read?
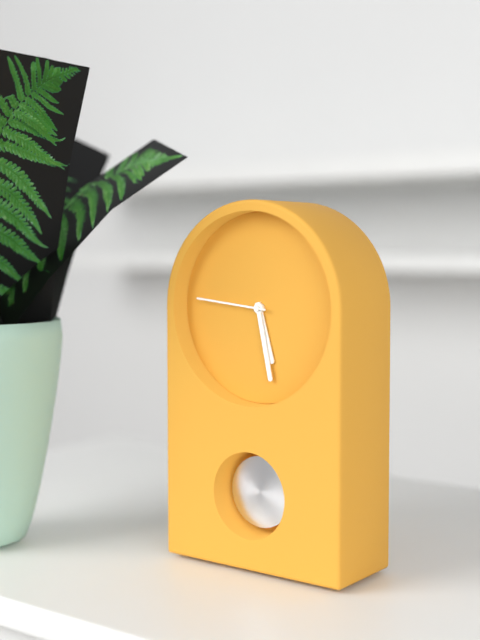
5:28:46
